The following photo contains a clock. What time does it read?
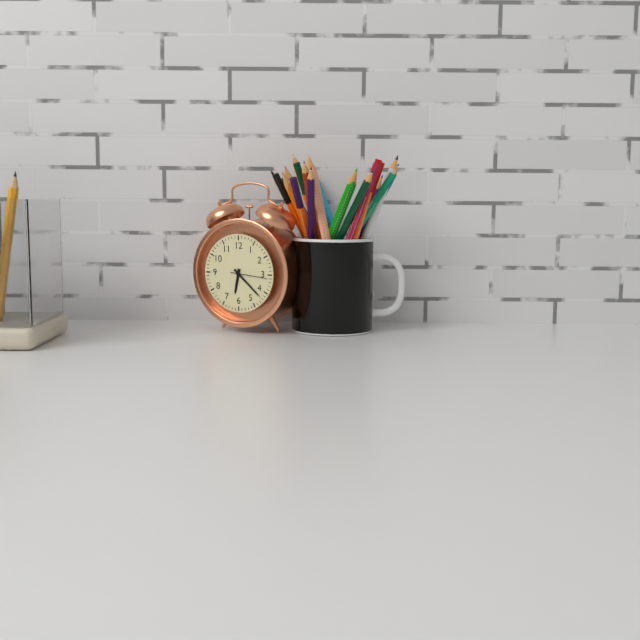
6:22
